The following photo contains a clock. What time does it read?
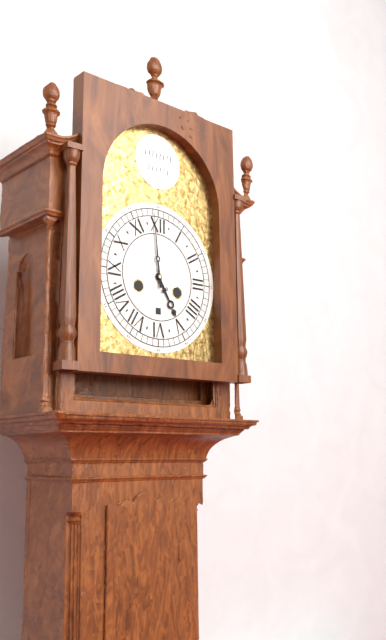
4:59
